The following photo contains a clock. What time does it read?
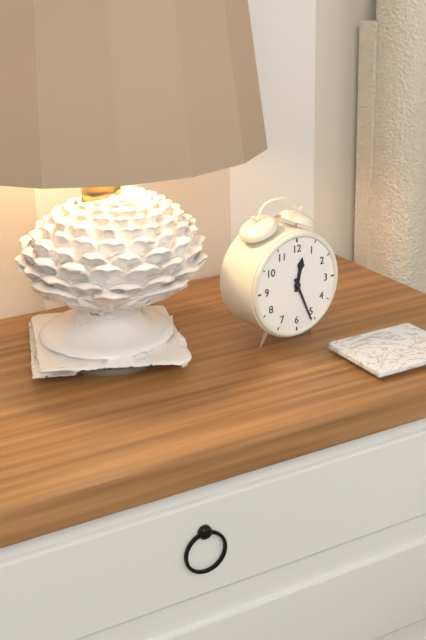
12:26
